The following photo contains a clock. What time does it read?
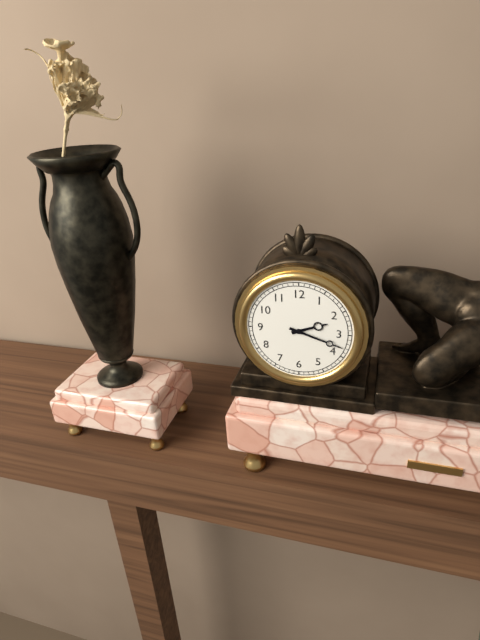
2:18
